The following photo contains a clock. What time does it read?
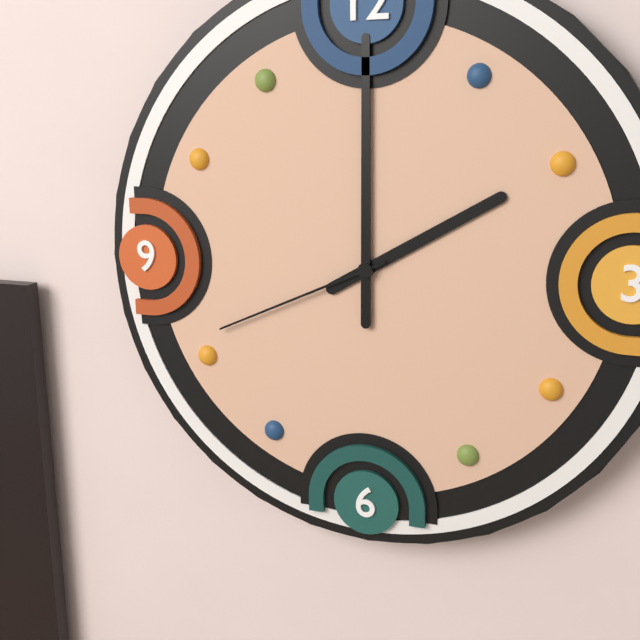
2:00:41
